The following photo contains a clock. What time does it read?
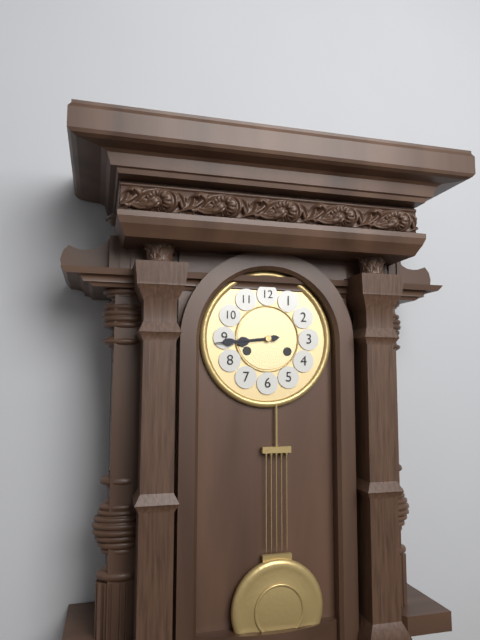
8:44
